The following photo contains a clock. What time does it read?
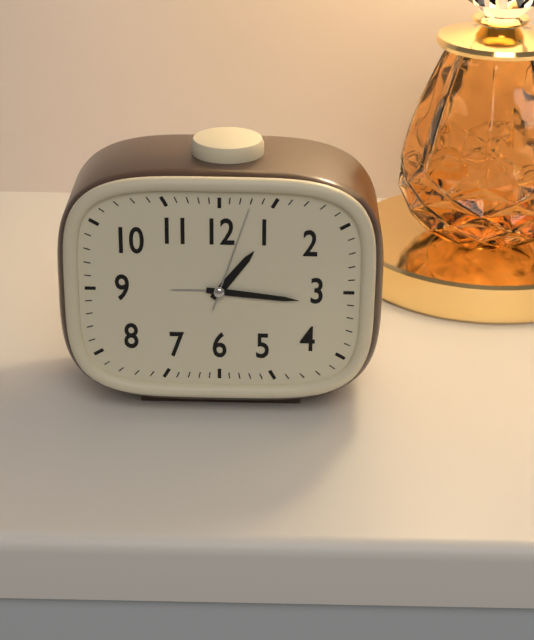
1:16:03
